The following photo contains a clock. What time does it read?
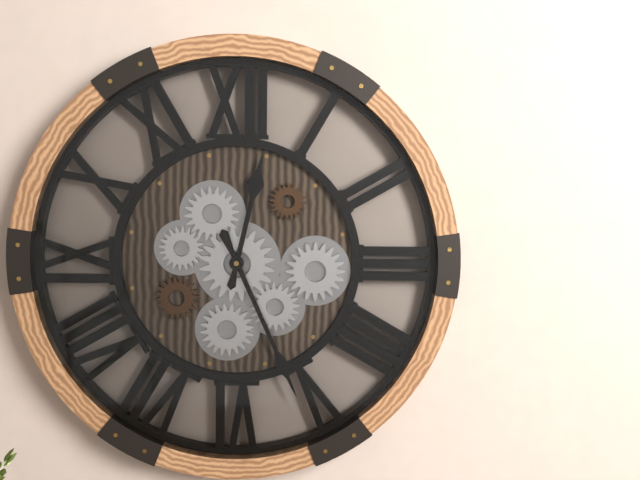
12:26
